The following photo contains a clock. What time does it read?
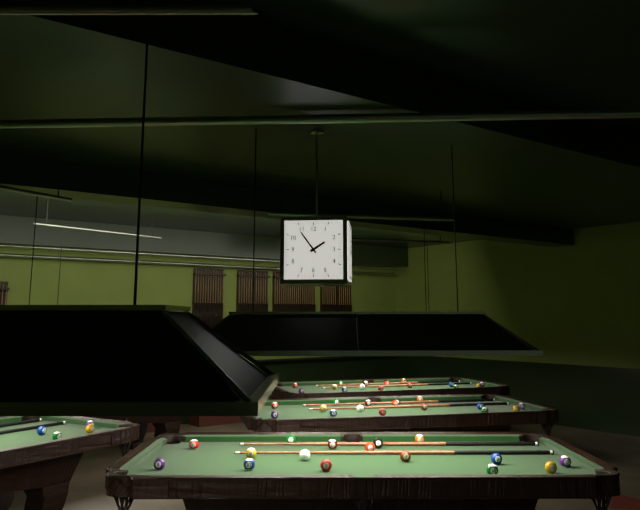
1:54
